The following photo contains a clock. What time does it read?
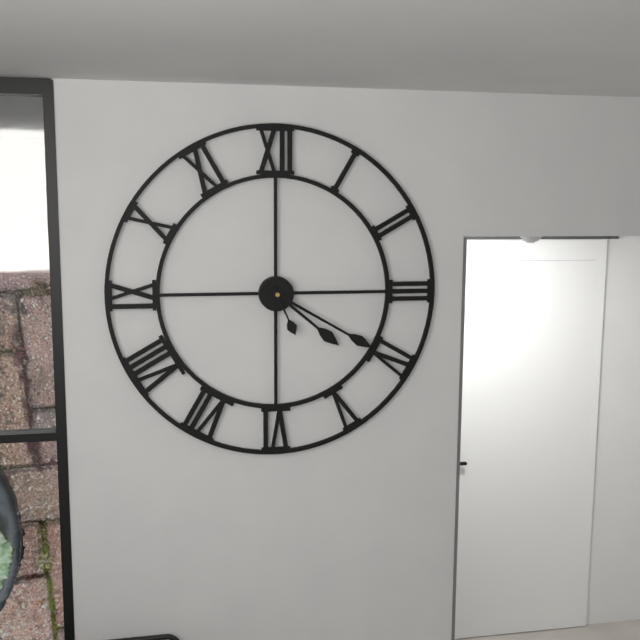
4:20:26
